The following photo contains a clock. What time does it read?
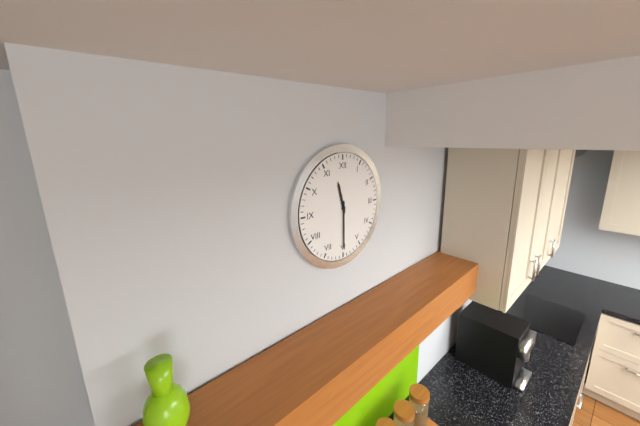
11:30
